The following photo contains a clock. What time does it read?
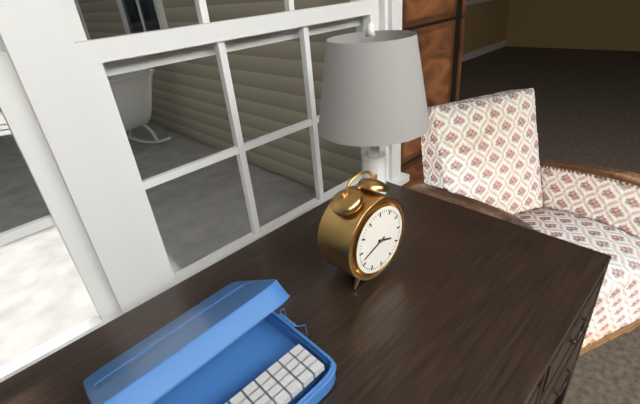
3:42
